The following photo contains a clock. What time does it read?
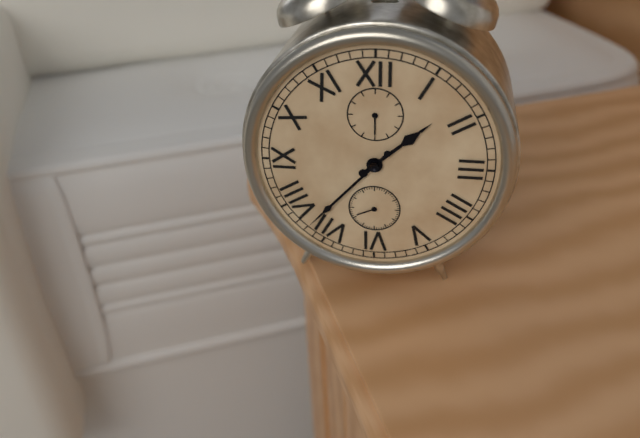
1:37
